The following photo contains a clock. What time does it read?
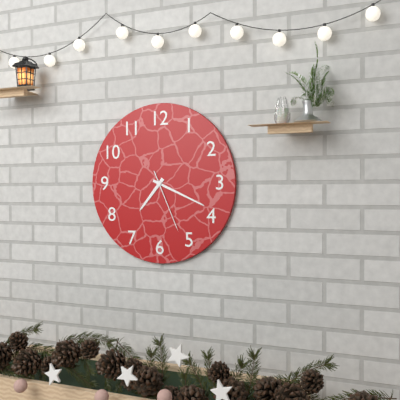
7:19:26
